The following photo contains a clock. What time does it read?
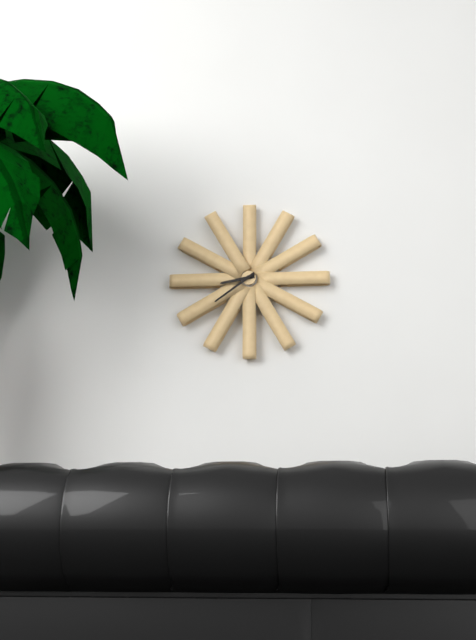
8:39
